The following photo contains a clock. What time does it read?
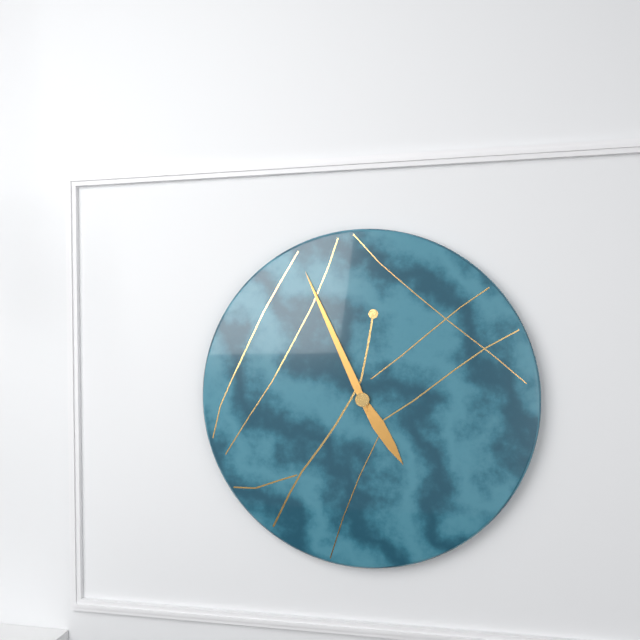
4:56
